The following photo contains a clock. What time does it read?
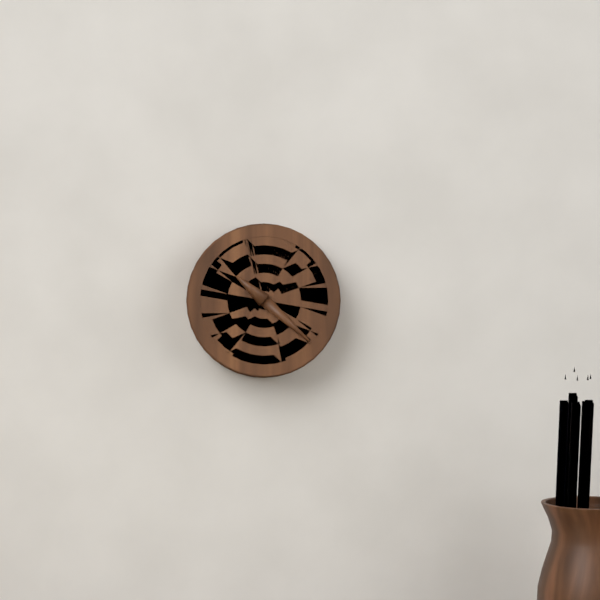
10:22
